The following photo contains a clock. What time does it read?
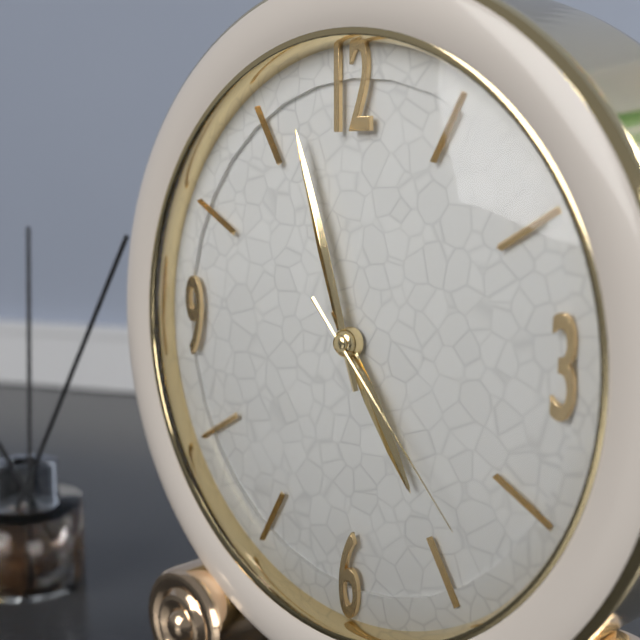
4:57:23
